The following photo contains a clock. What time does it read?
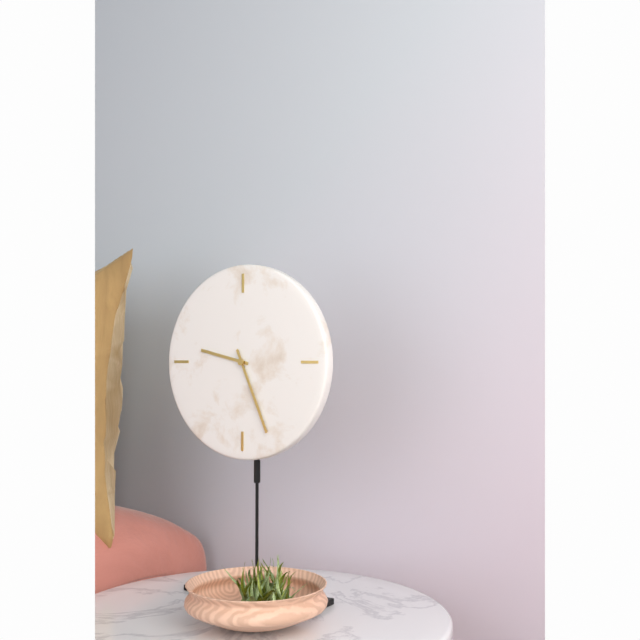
9:26
